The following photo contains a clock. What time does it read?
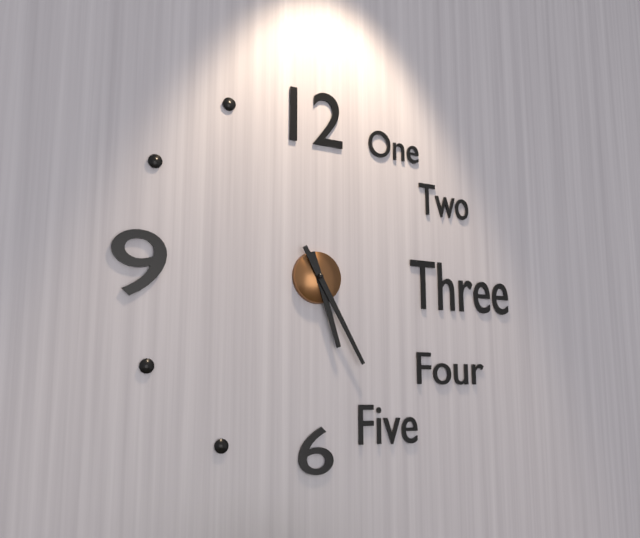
5:25
